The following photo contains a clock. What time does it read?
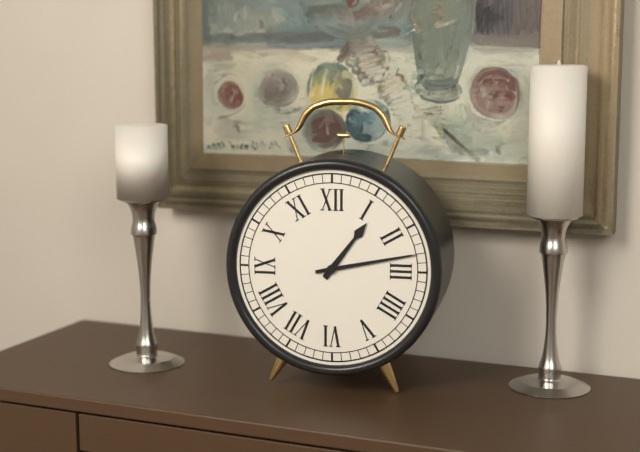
1:13
